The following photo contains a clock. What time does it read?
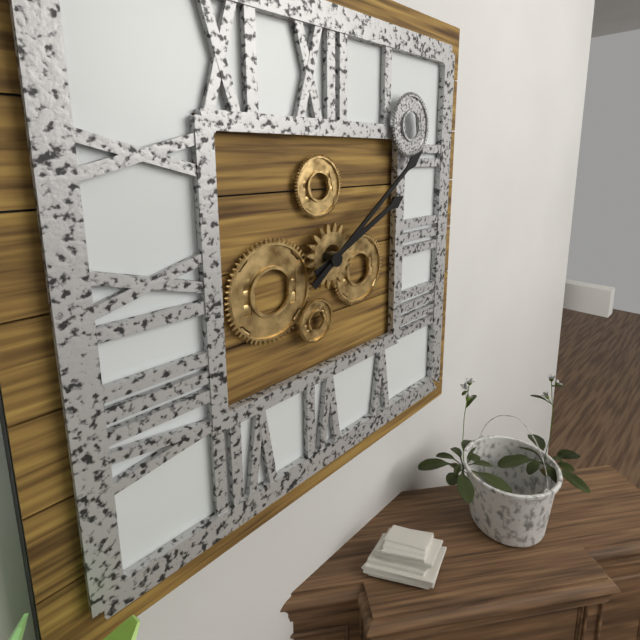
2:09
